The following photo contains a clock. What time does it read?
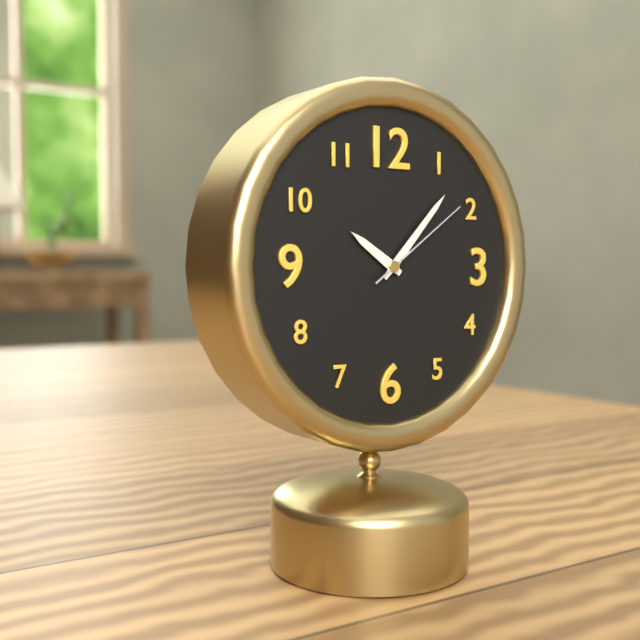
10:07:09
